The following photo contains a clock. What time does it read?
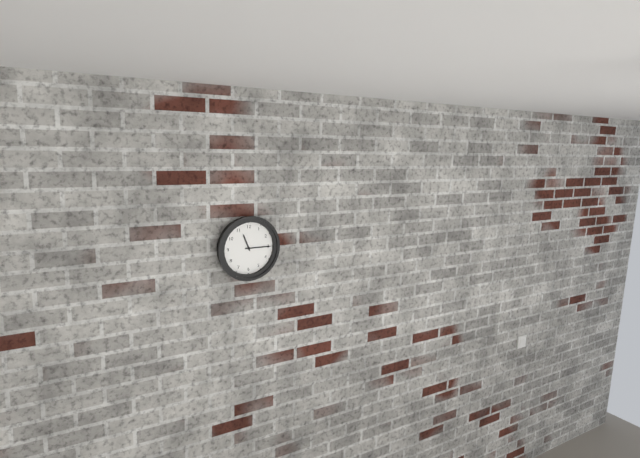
11:15
